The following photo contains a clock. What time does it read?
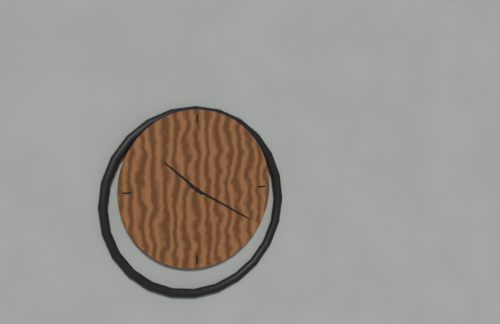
10:20
